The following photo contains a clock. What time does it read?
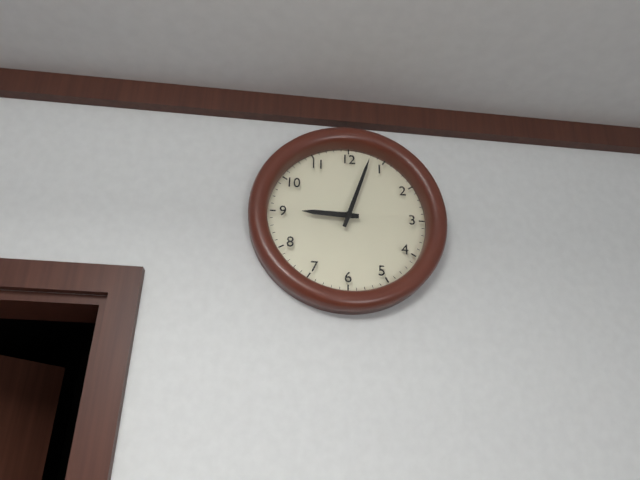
9:03
